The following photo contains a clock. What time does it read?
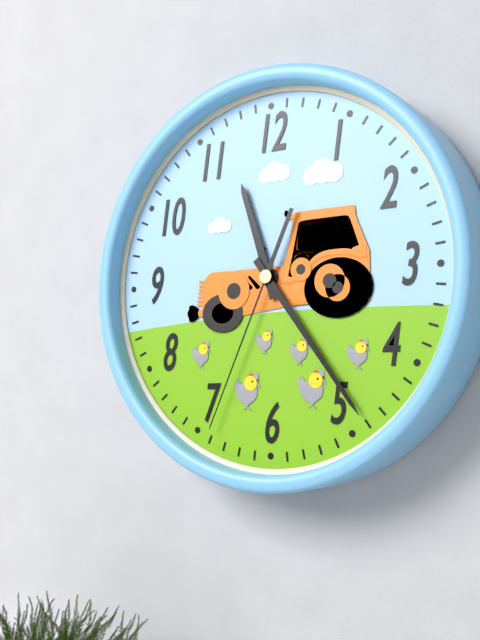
11:24:34
